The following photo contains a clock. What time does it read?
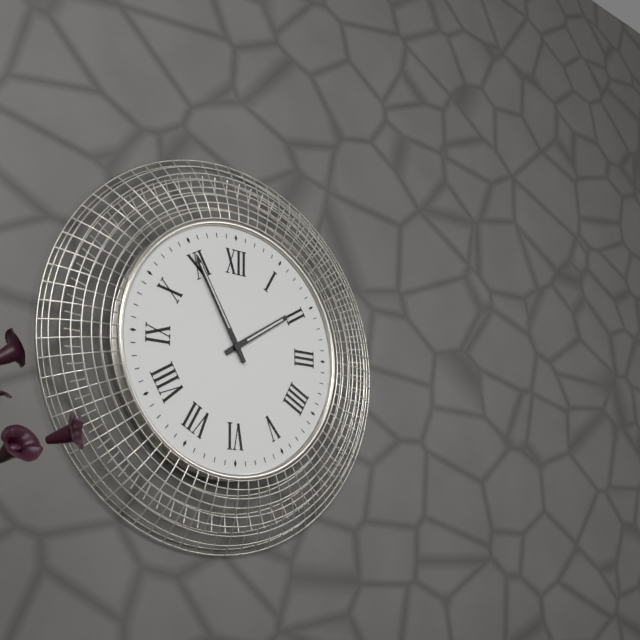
1:55
